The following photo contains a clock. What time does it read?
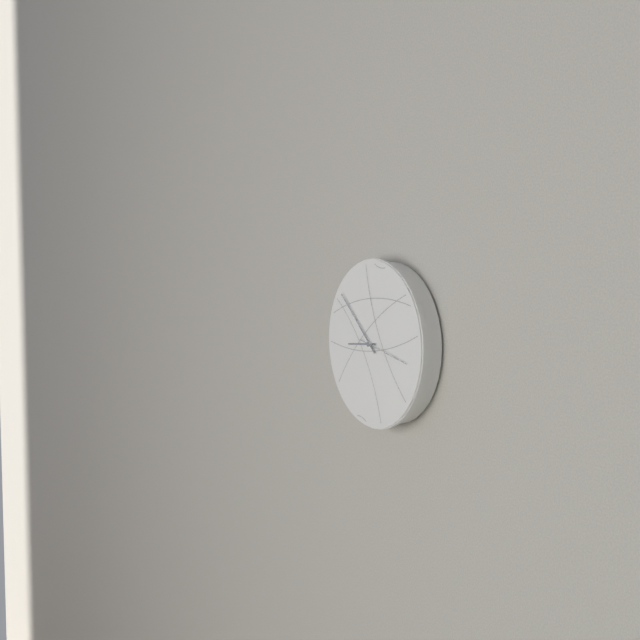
8:52:17
